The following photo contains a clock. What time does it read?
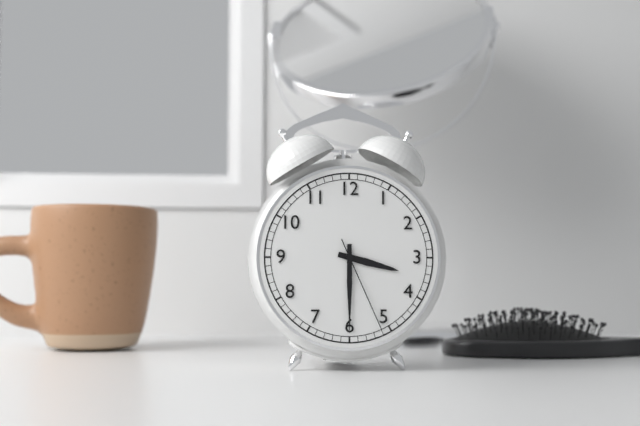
3:30:26
